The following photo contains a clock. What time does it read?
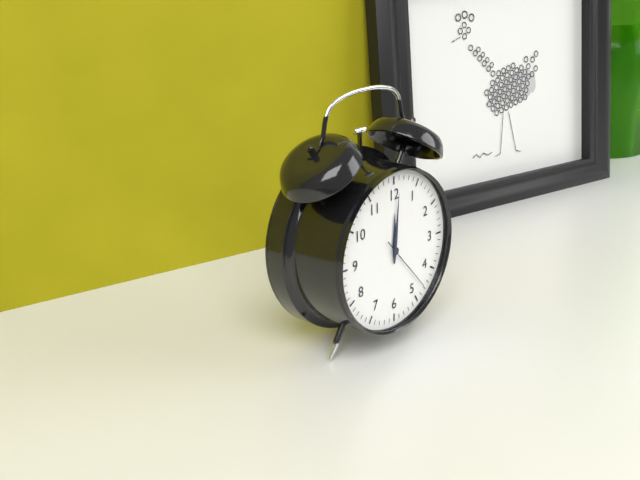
12:01:23
